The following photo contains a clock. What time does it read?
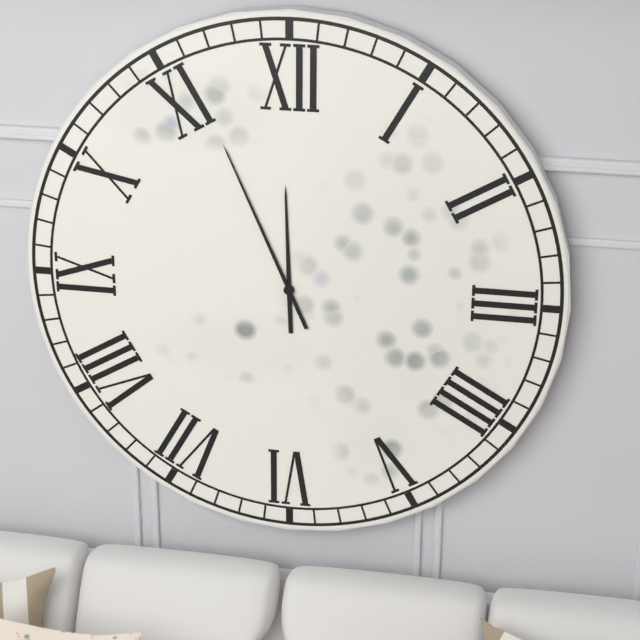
11:56
